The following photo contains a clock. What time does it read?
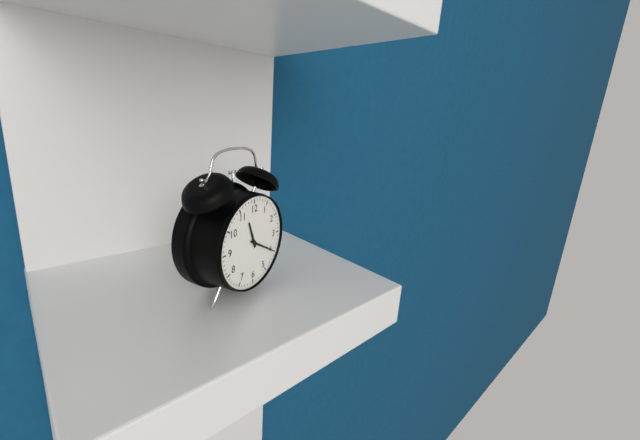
11:20
